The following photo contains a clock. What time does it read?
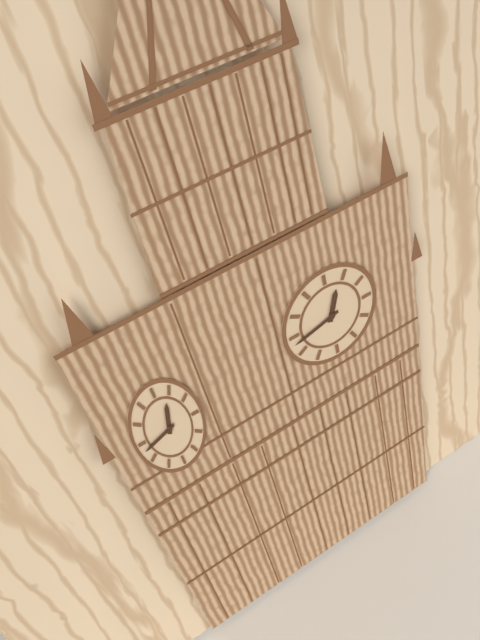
12:43
